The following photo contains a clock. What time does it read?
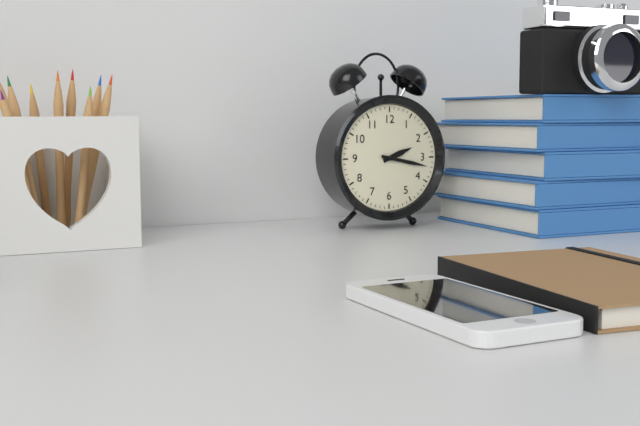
2:17
